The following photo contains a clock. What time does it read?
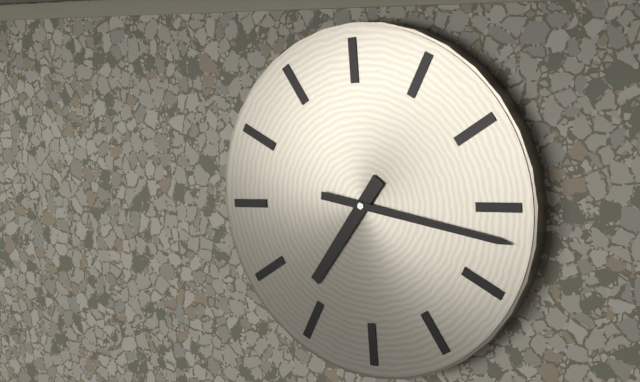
7:17
